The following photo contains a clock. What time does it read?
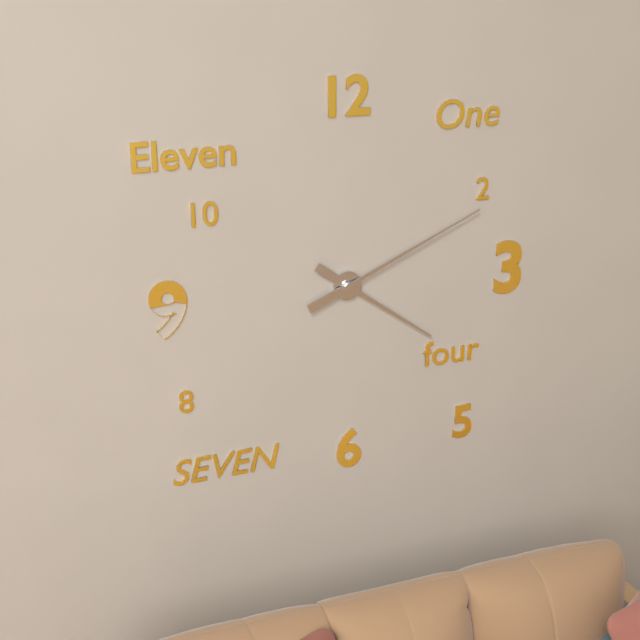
4:11
